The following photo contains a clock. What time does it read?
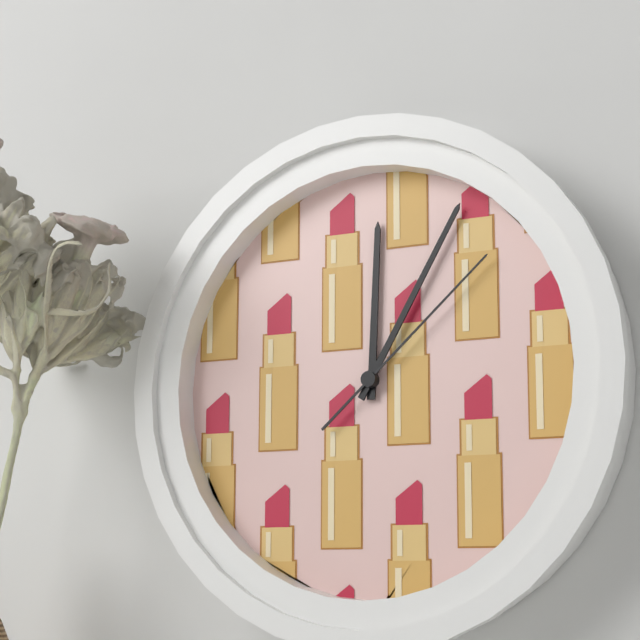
12:05:08
